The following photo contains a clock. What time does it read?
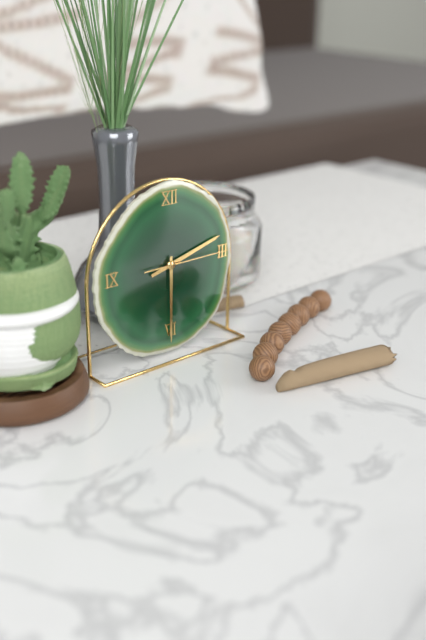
2:30:15
